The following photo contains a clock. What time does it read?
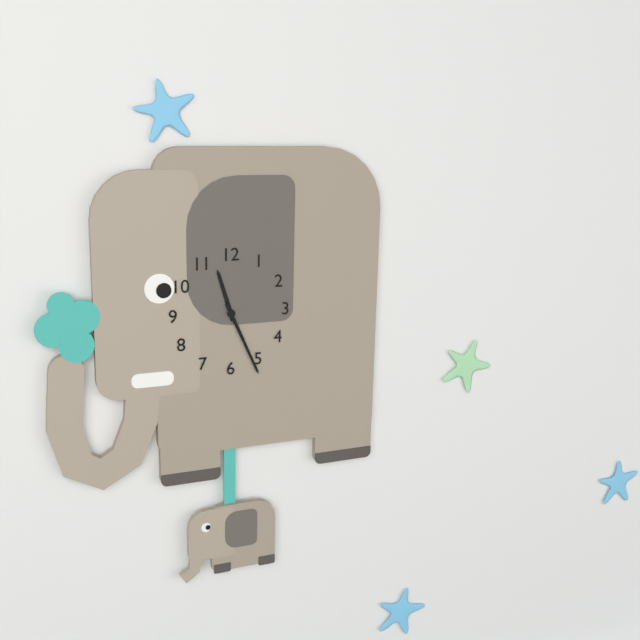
11:26
